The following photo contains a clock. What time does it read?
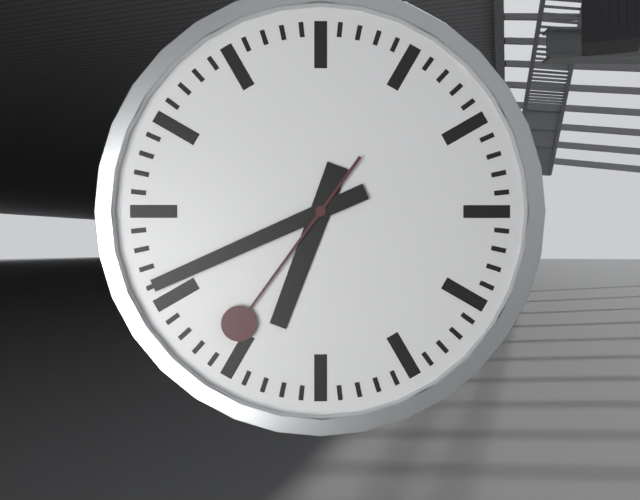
6:41:36
